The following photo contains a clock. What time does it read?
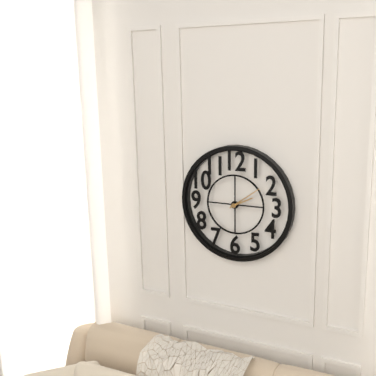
2:09
